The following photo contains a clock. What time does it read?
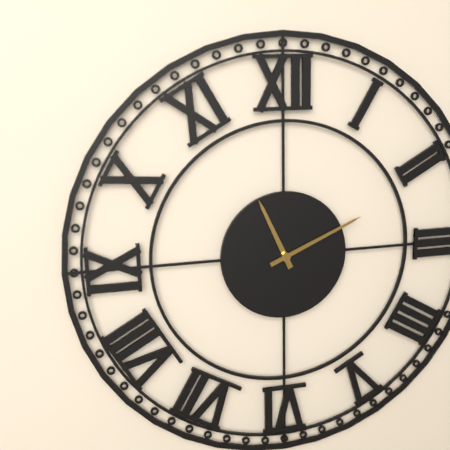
11:11
